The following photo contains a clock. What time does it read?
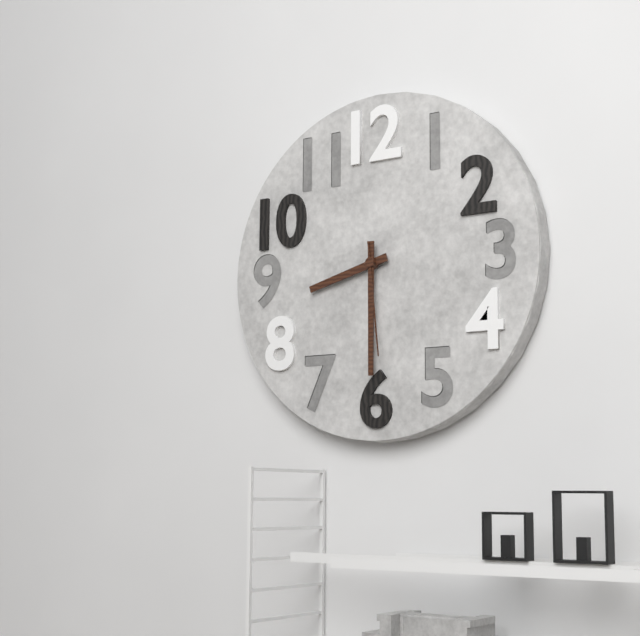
8:30:29
